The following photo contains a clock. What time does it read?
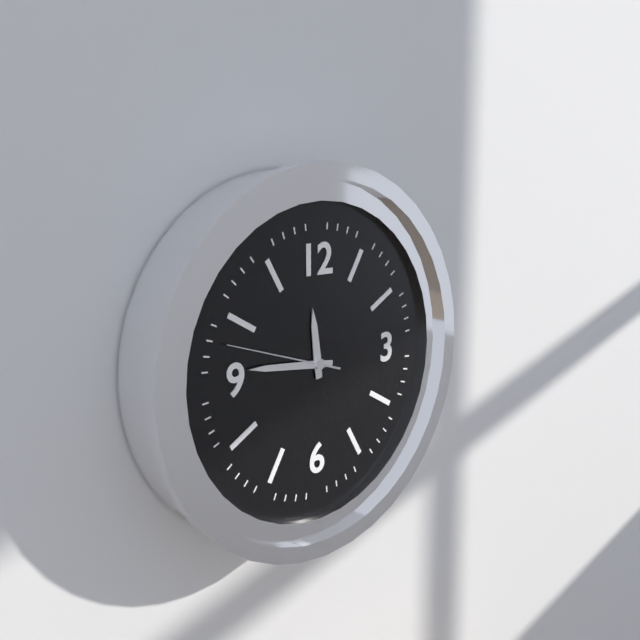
11:46:48
